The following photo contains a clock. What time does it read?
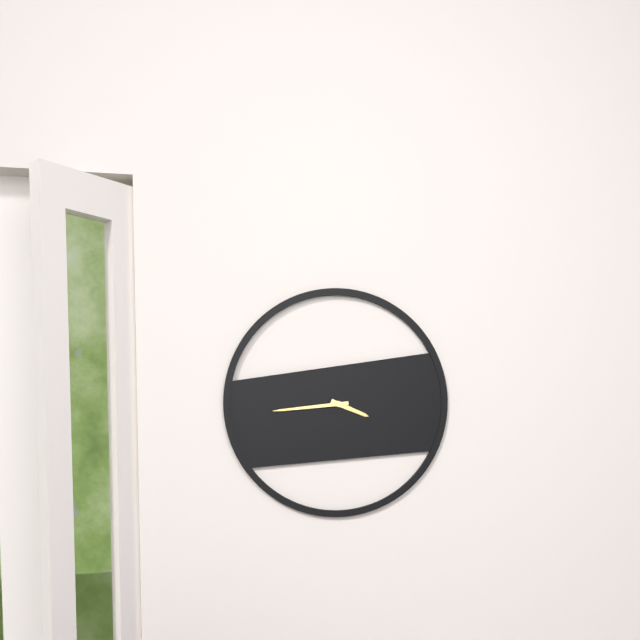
3:44
